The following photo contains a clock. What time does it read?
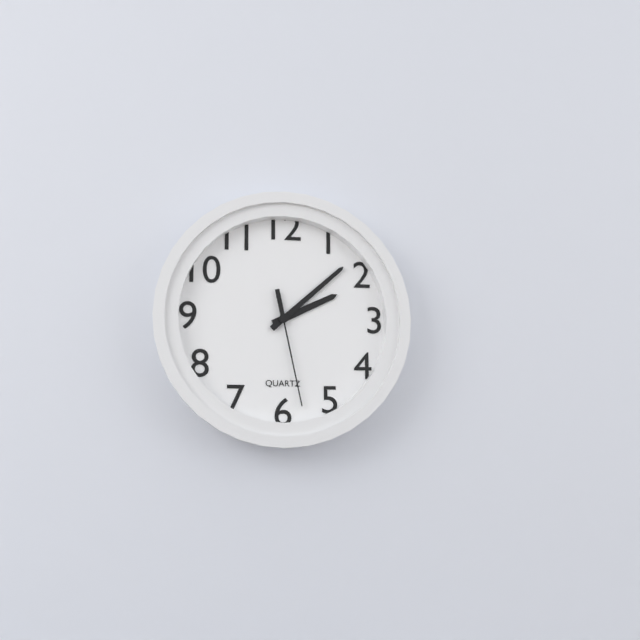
2:08:28
